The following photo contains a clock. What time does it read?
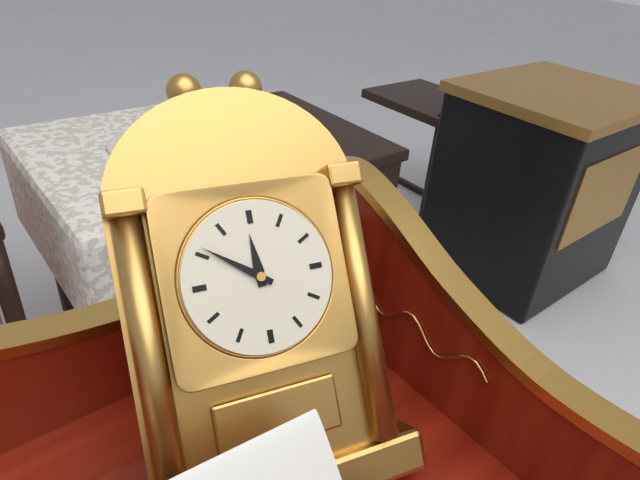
11:51
